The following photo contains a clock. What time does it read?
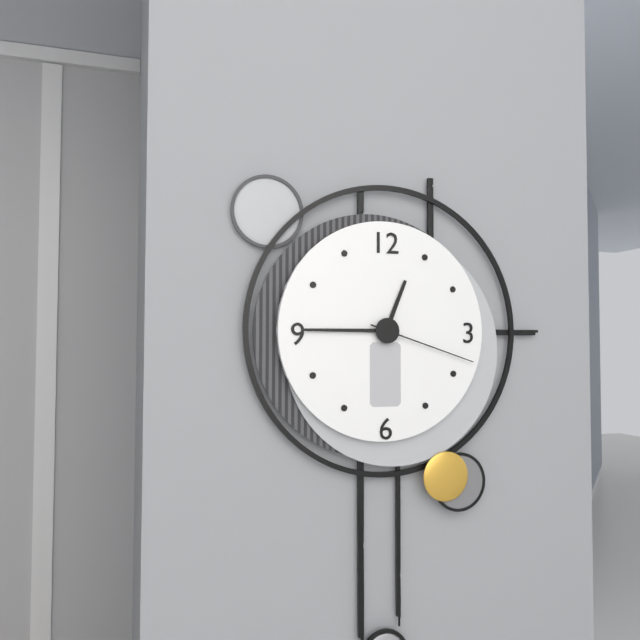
12:45:18
